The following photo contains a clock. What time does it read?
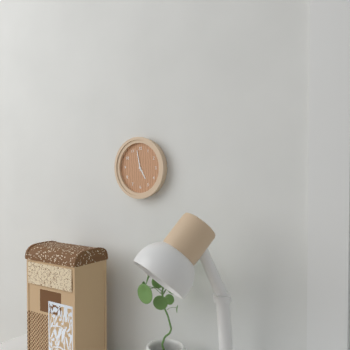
4:58
